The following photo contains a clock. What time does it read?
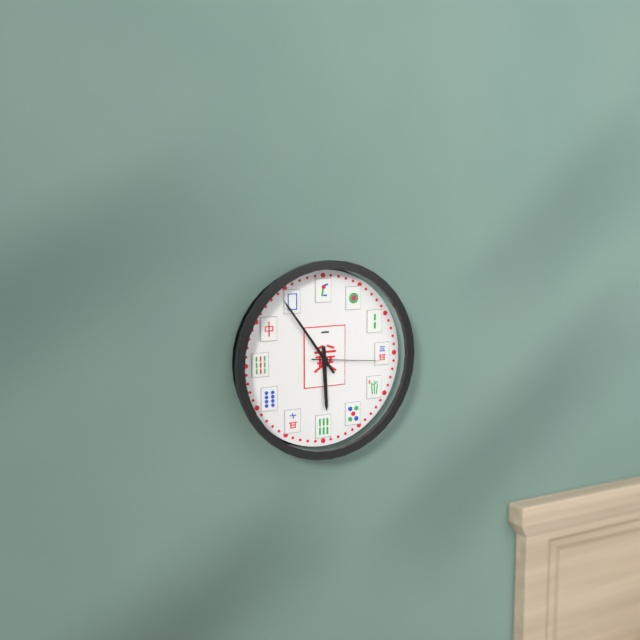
5:54:16
